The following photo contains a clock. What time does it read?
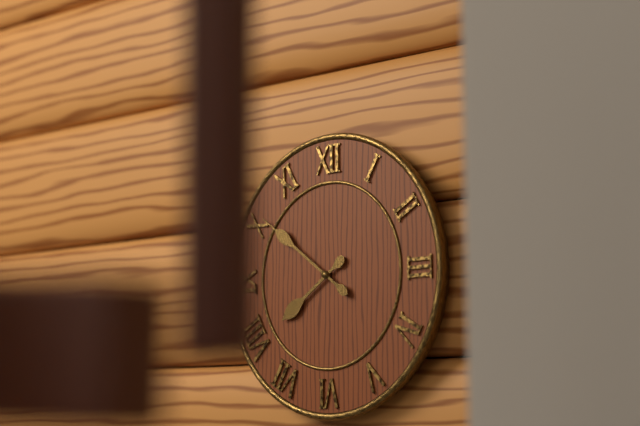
7:51
